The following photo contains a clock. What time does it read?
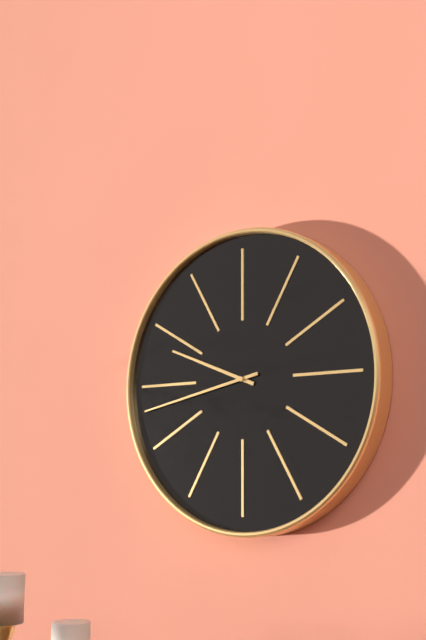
9:43
